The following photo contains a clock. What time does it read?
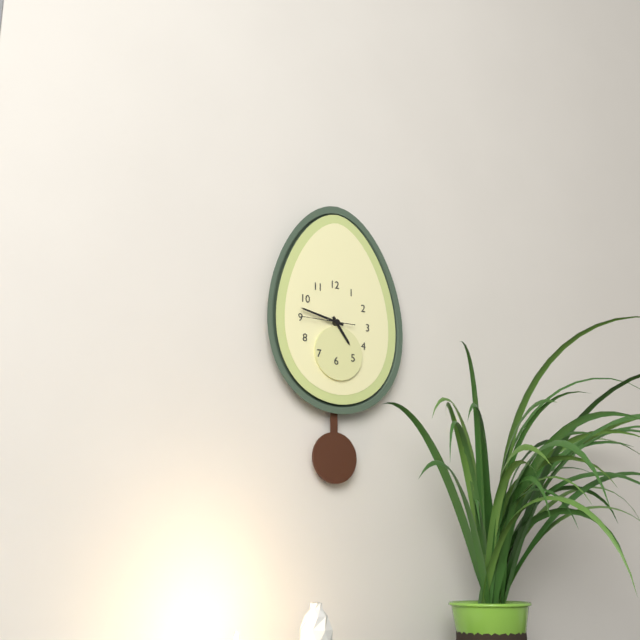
4:47
